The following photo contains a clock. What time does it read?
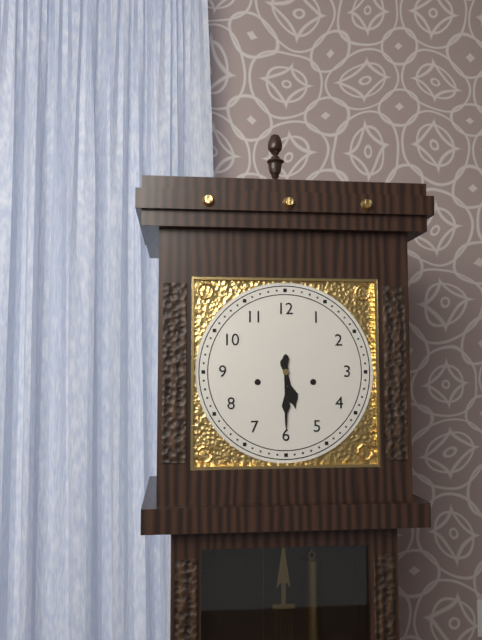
5:30
